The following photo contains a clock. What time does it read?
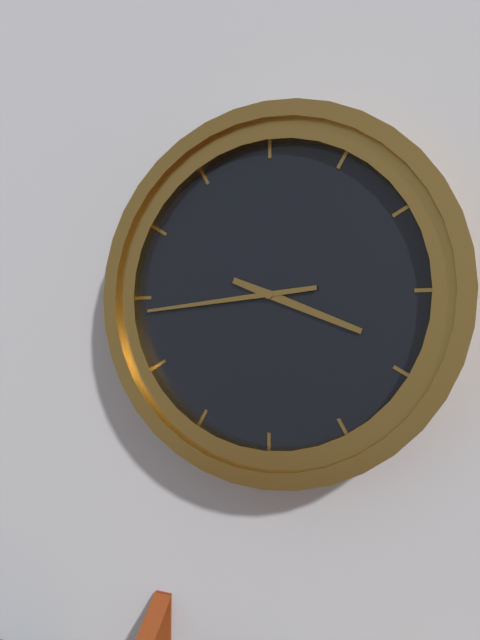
3:44
